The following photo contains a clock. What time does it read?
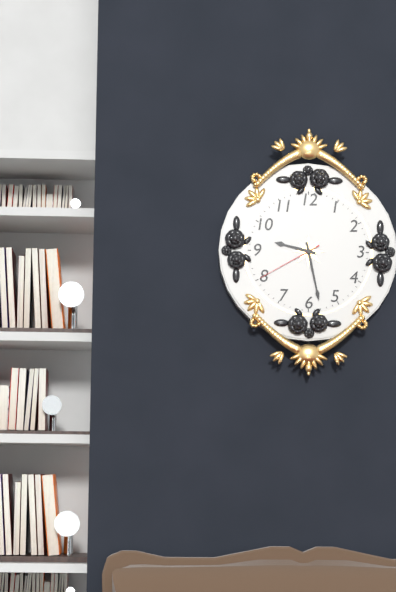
9:28:40
